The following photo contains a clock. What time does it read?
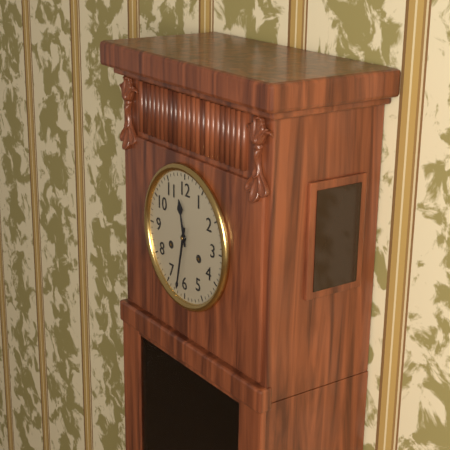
11:32
